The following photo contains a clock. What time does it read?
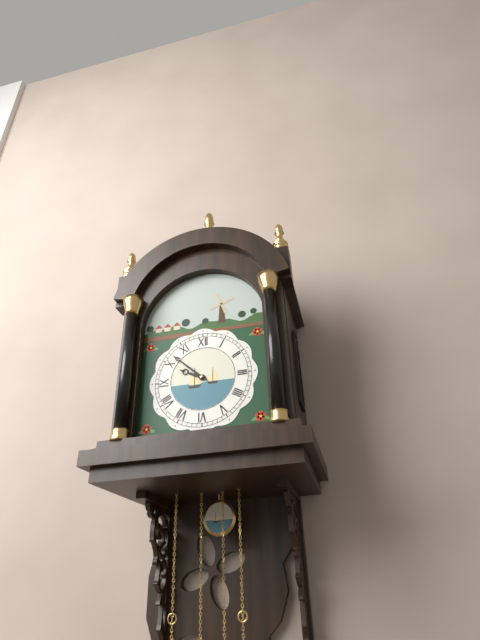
9:52
